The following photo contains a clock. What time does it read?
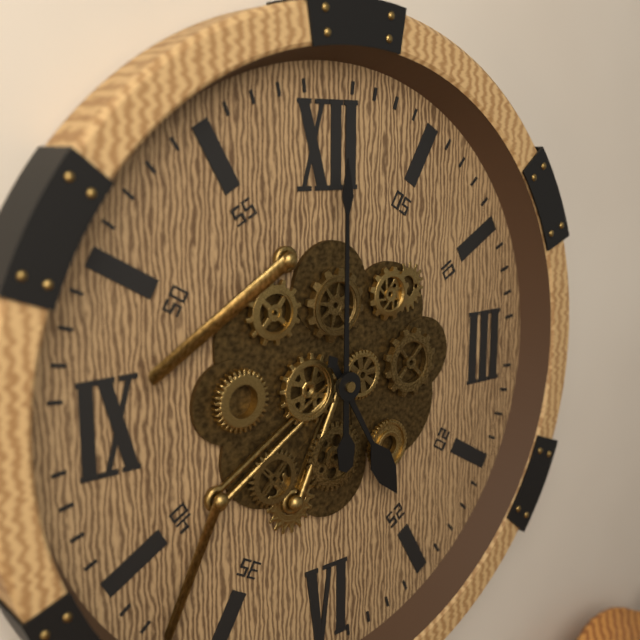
5:00
